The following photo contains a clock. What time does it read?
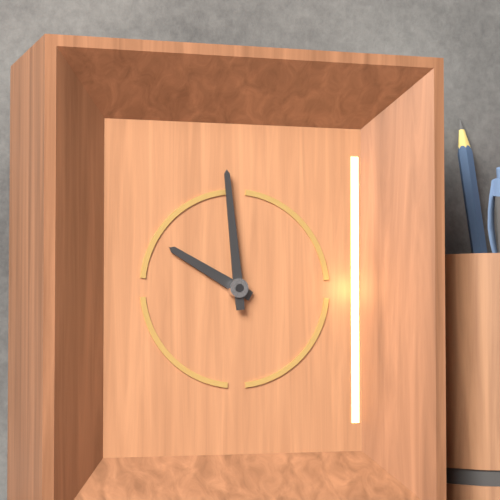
9:59
